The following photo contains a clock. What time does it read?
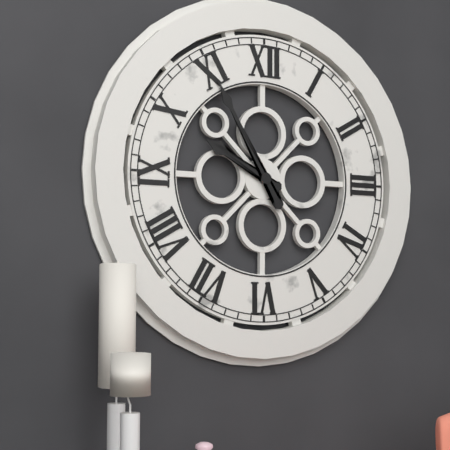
9:55
